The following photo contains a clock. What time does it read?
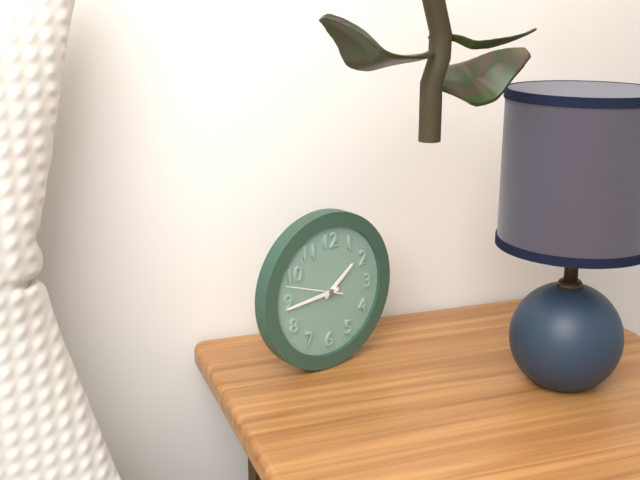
1:44
